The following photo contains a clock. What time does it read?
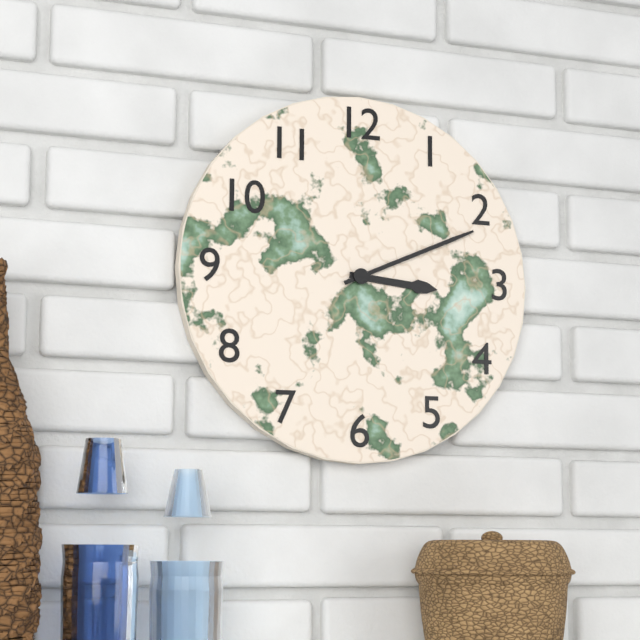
3:11
